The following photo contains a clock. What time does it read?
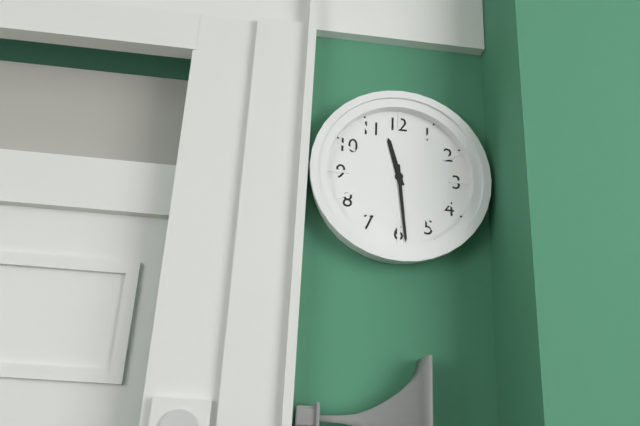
11:29
